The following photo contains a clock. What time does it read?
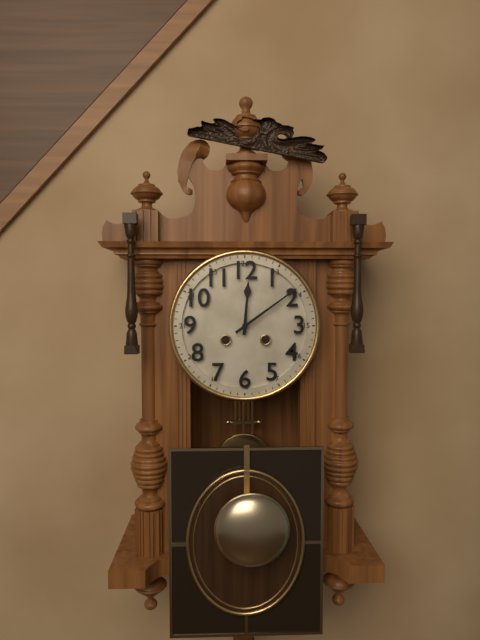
12:09
